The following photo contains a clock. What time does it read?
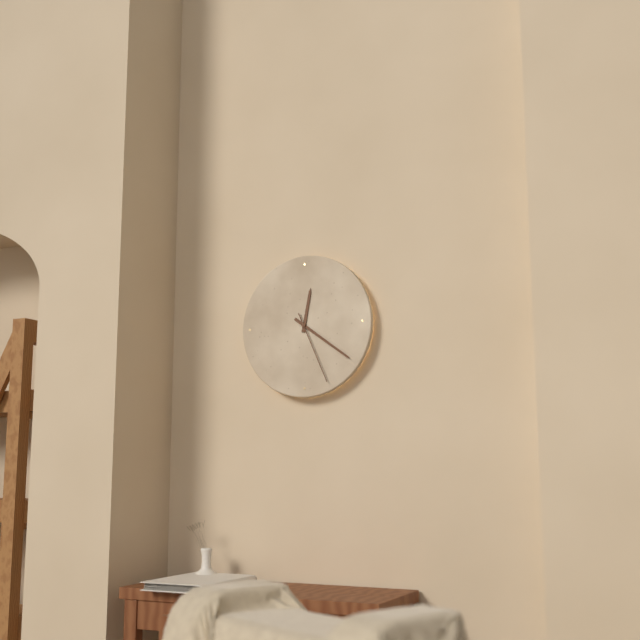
12:21:26
